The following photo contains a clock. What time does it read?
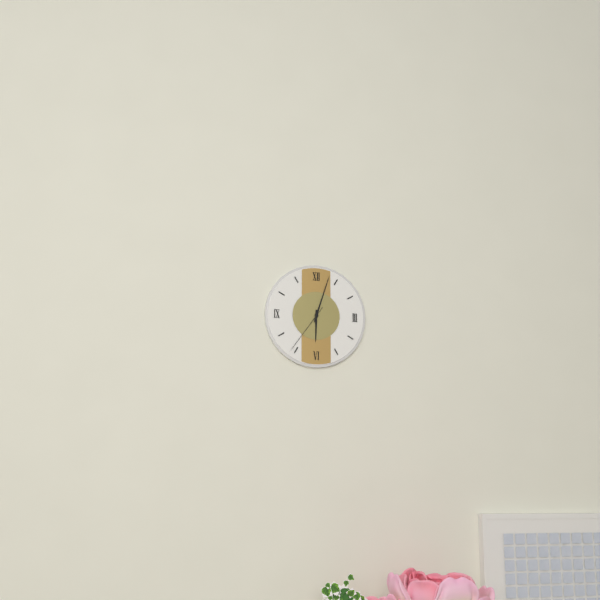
6:03:36
